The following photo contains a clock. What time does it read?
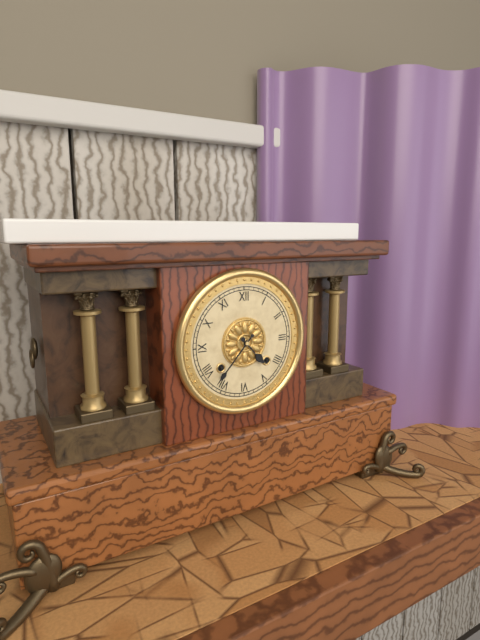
4:37
